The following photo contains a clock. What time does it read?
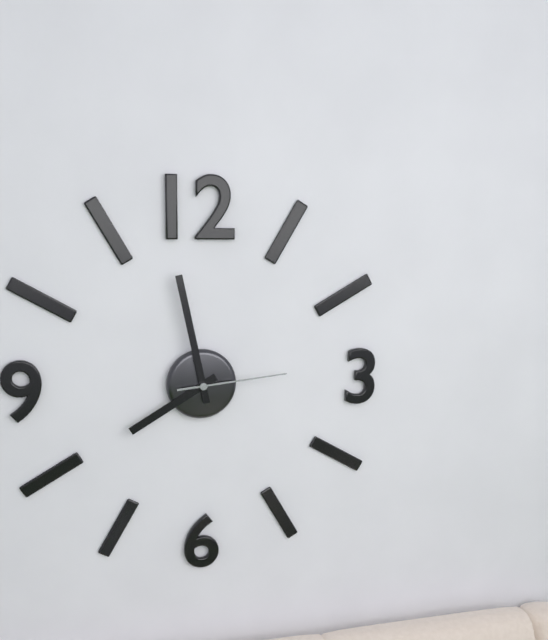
7:58:14
